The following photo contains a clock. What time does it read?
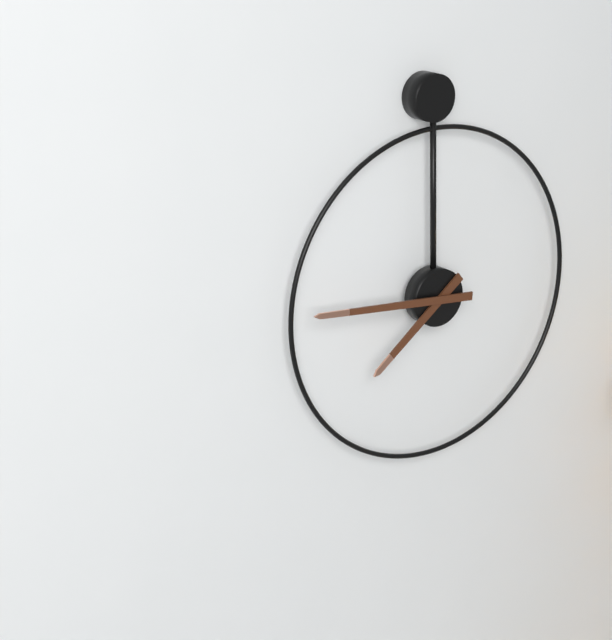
7:46
